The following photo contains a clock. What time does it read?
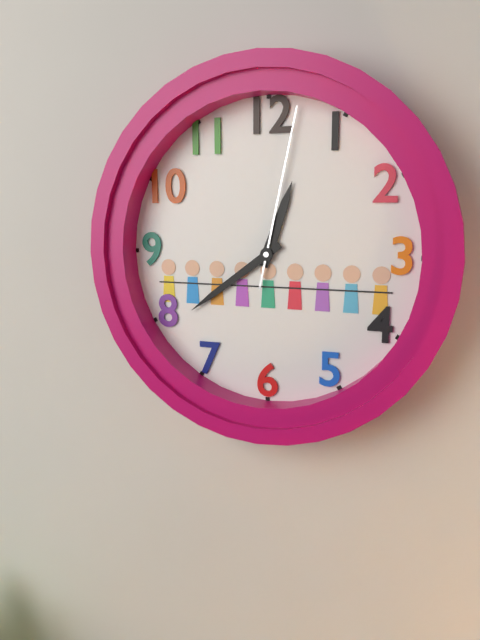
12:39:02
